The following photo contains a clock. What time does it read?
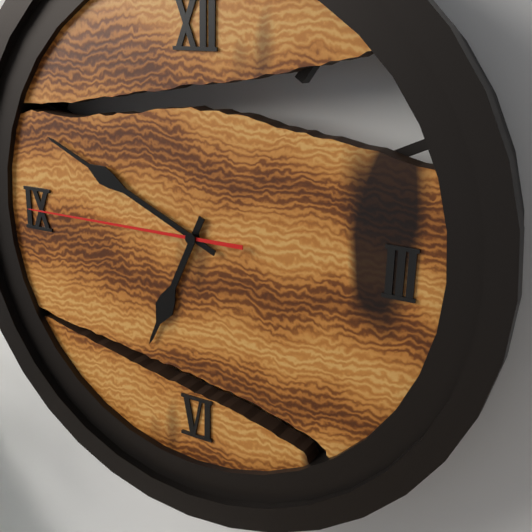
6:49:45
